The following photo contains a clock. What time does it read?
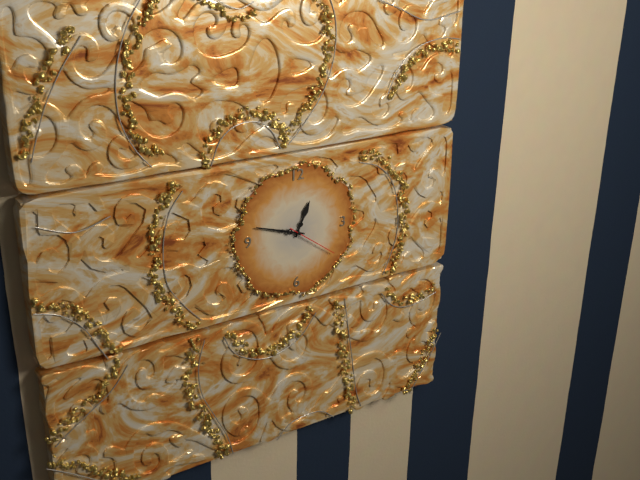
12:48:21
